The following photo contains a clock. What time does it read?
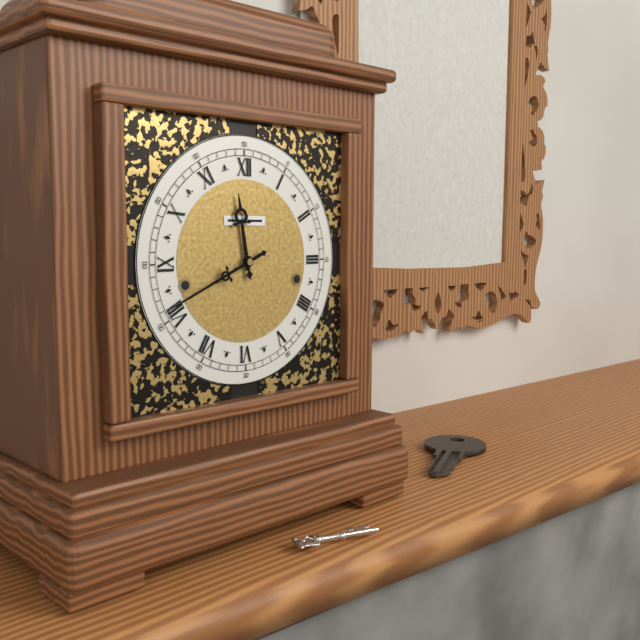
11:41
